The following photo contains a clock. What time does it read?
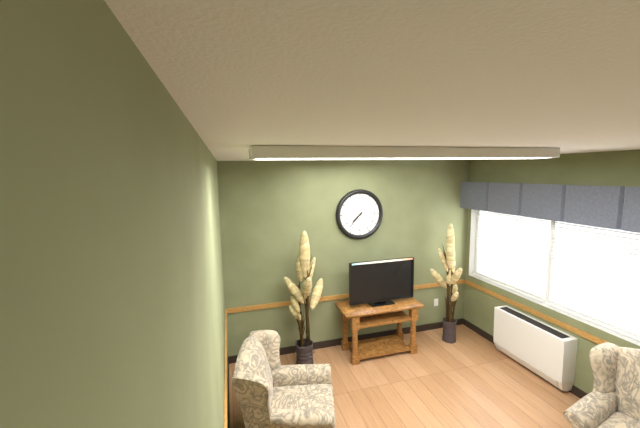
7:37
